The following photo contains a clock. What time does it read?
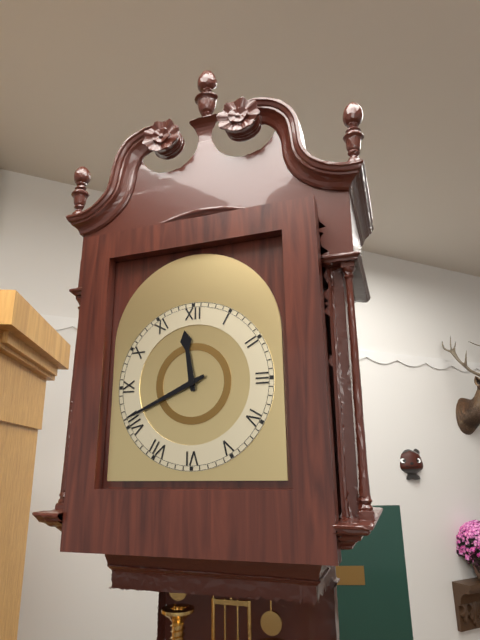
11:41
